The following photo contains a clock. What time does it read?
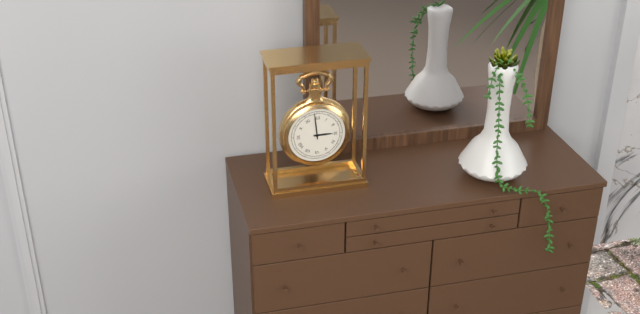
2:59
